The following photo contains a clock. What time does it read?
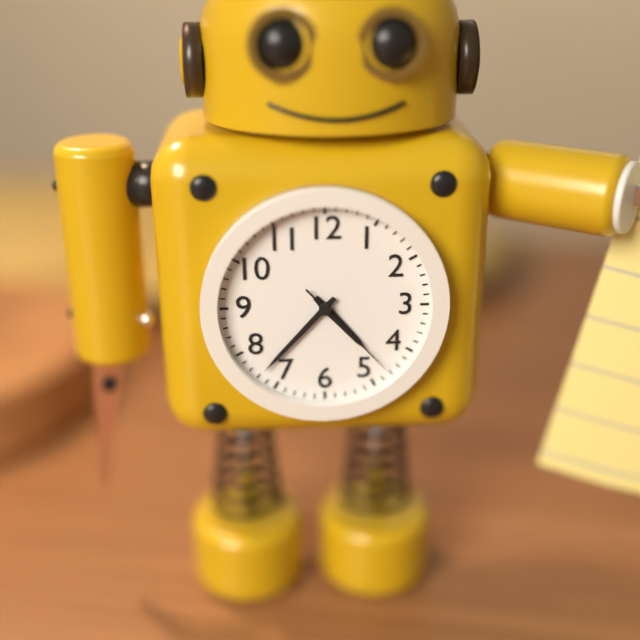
4:37:23
